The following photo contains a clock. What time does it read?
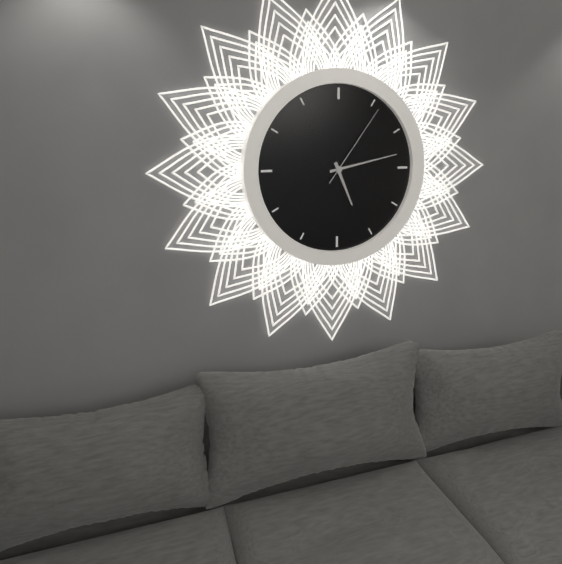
5:13:06
